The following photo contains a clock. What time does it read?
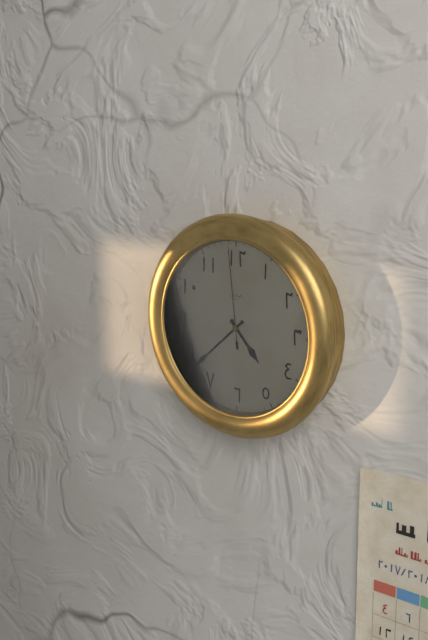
4:38:59
